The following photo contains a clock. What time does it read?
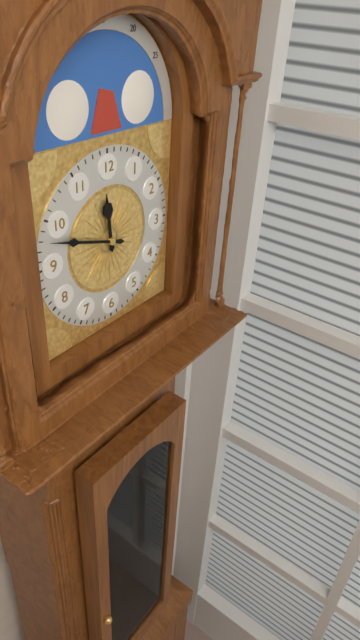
11:48
